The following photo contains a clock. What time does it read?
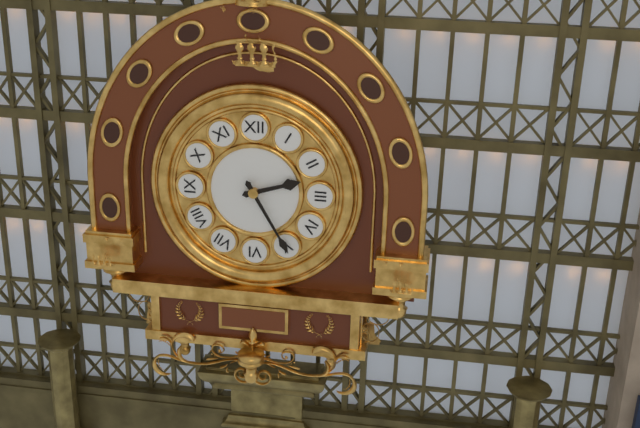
2:25
